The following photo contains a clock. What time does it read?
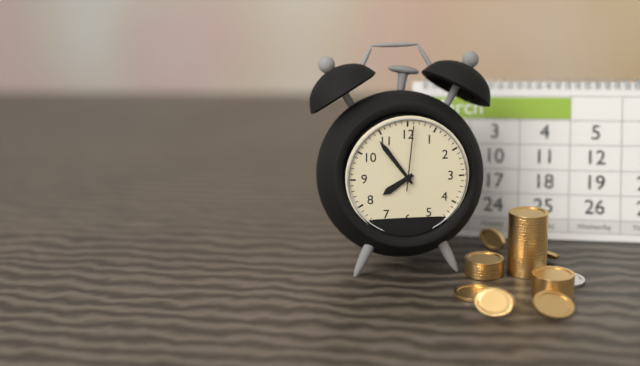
7:54:01
